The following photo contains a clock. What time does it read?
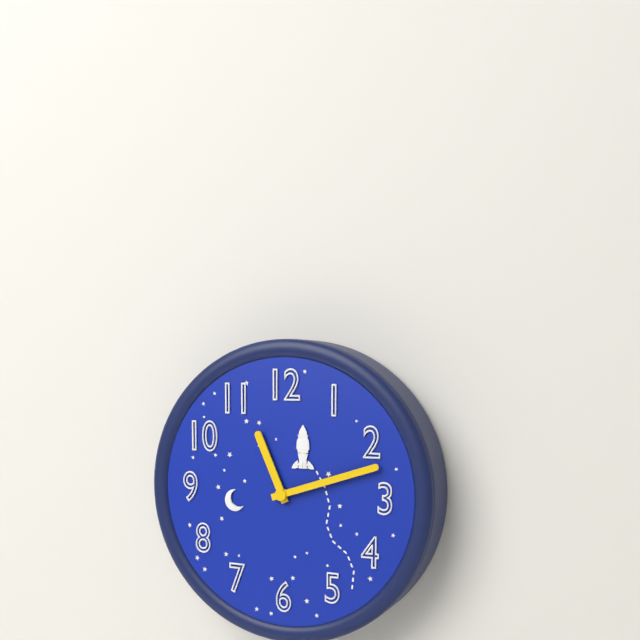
11:12
